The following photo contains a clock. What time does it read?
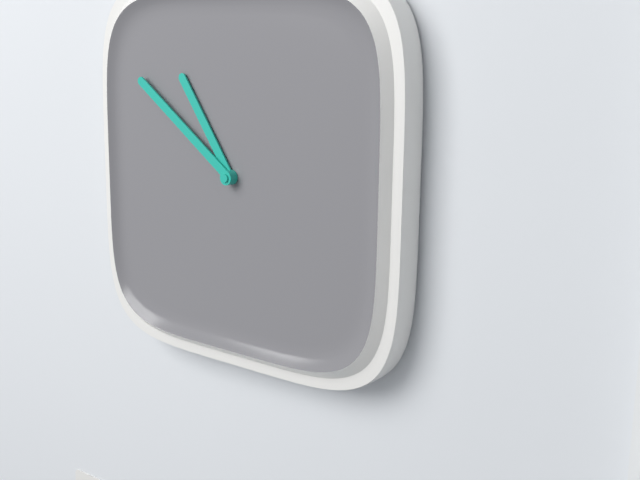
10:51
